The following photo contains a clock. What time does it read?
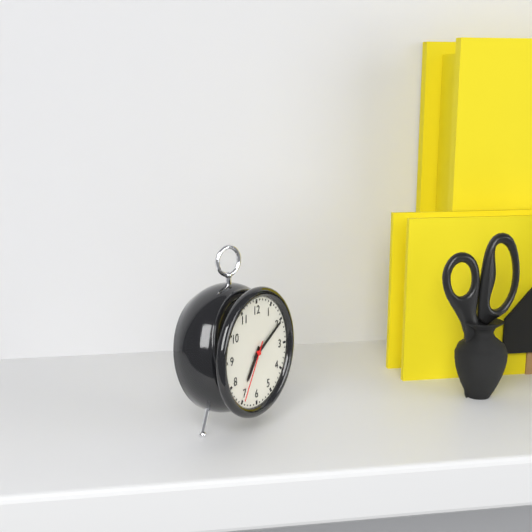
7:10:35
